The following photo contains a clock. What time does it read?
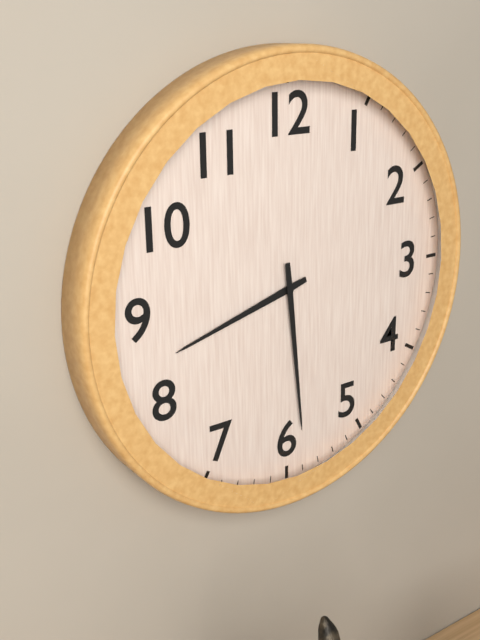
8:29
